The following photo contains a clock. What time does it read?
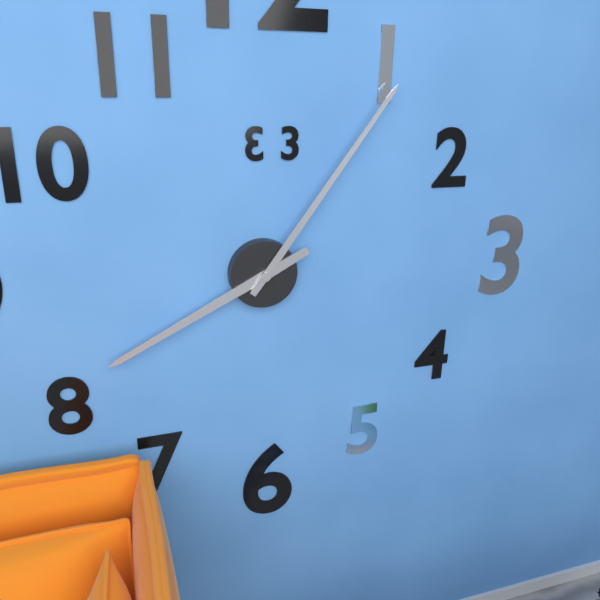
8:06
